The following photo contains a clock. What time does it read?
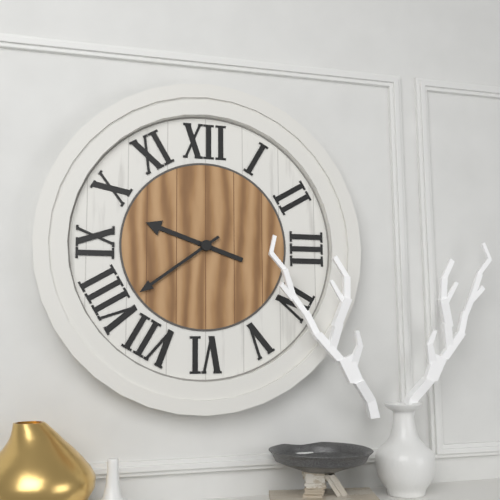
9:39
